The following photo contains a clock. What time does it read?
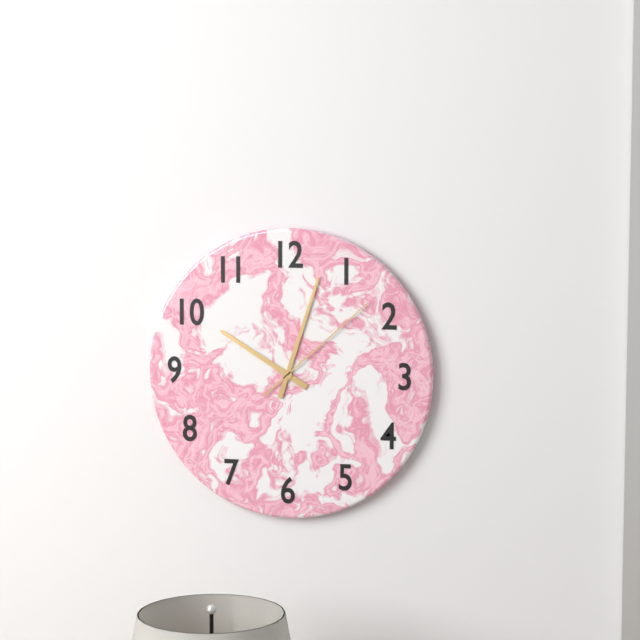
10:03:08
